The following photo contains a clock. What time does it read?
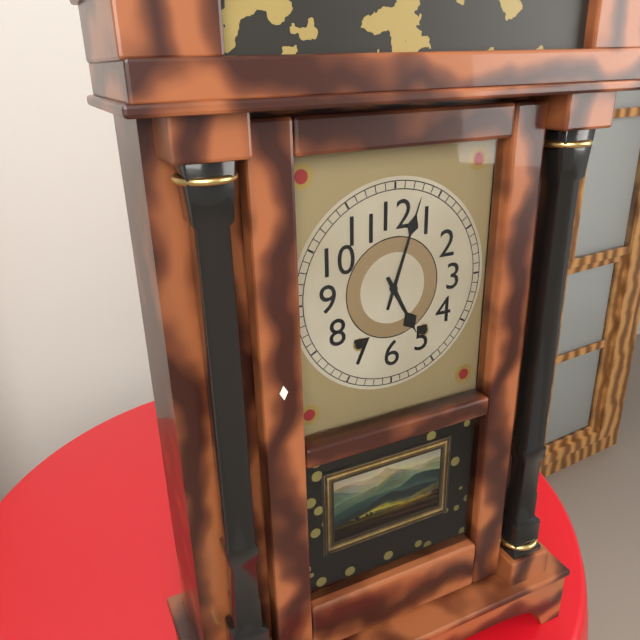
5:03
